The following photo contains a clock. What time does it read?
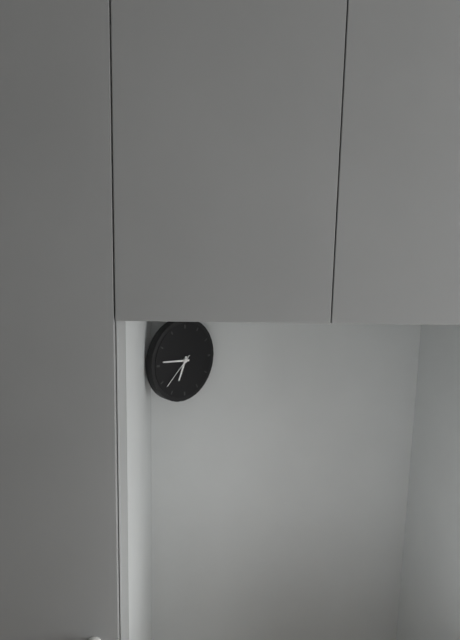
6:46
